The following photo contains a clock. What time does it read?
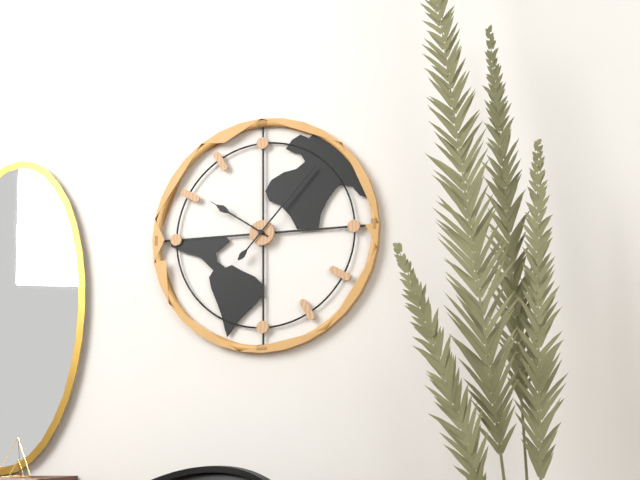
10:07
